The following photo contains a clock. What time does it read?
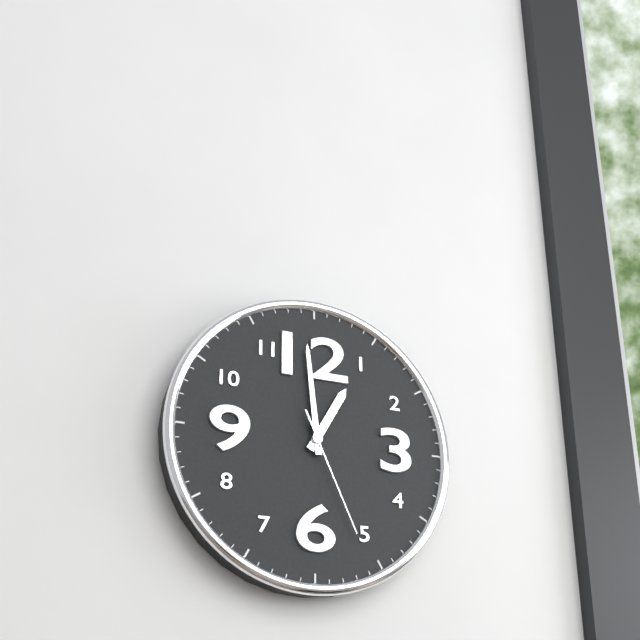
12:59:26
